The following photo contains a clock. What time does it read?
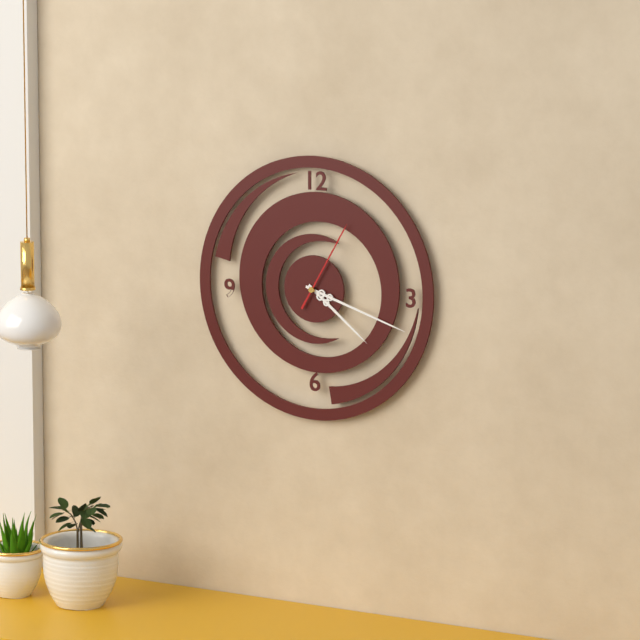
4:18:05
